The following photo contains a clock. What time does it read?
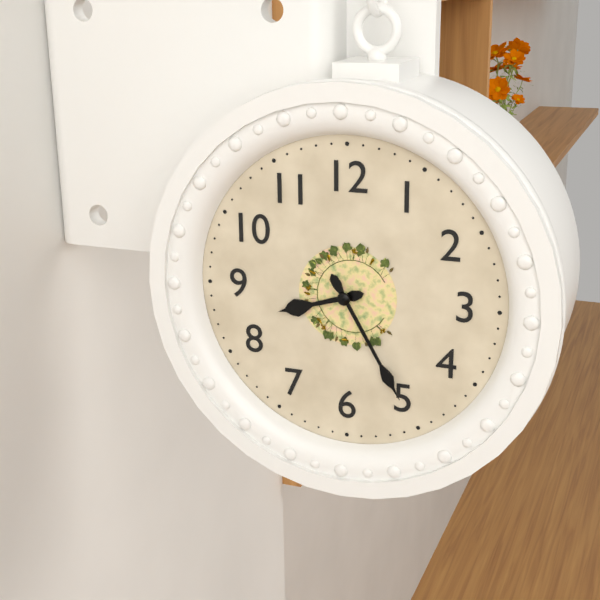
8:25
